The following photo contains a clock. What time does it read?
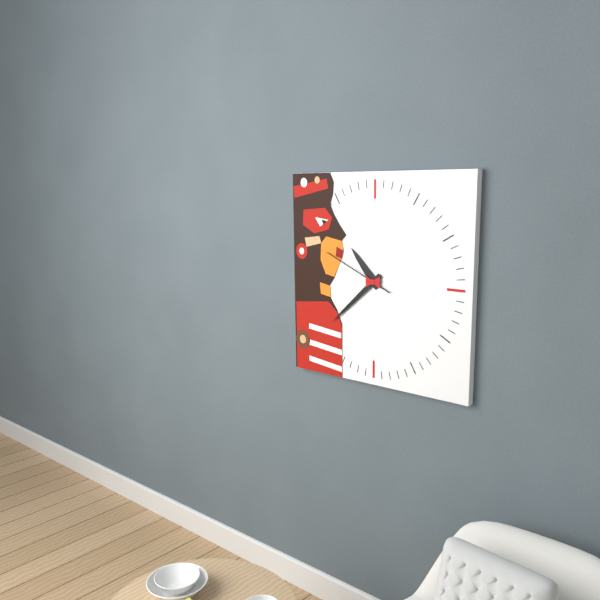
10:38:49
